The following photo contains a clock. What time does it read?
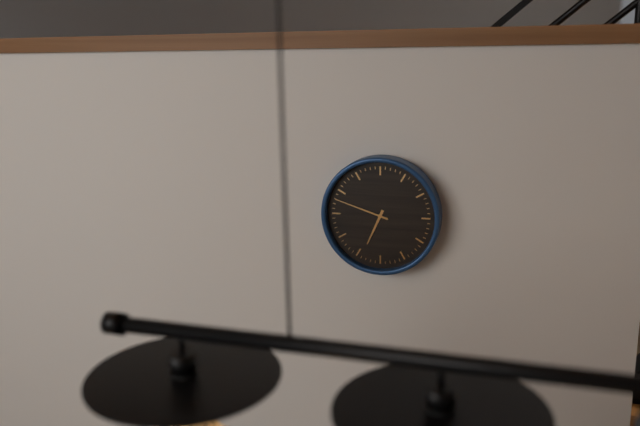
6:48
